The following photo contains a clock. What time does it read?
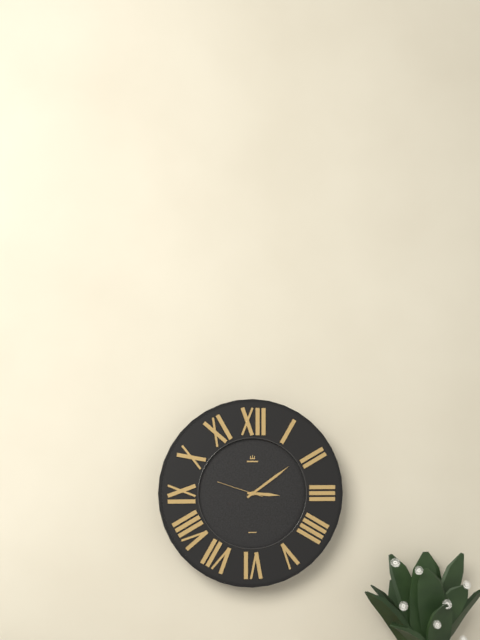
3:09
